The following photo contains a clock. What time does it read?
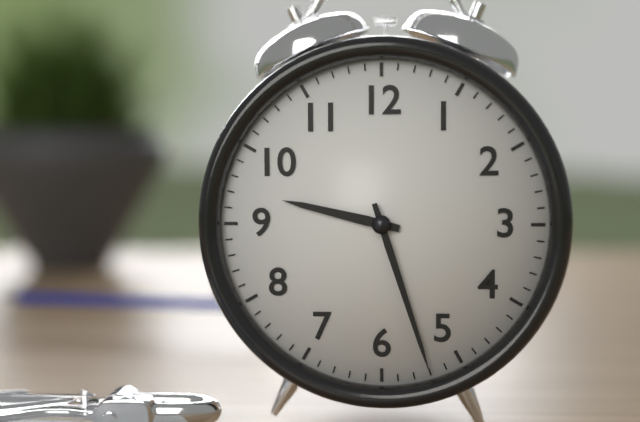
9:27
